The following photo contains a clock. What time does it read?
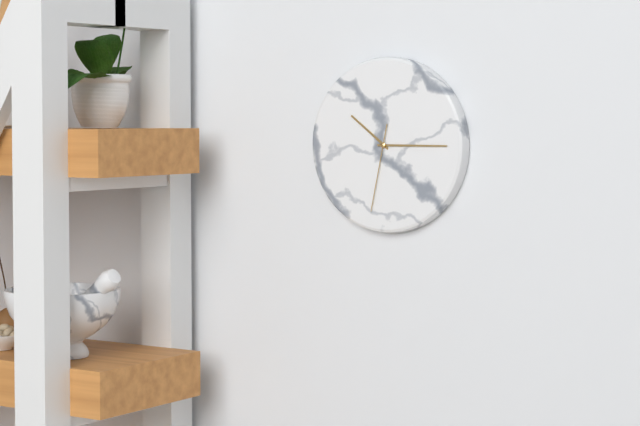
10:15:32
